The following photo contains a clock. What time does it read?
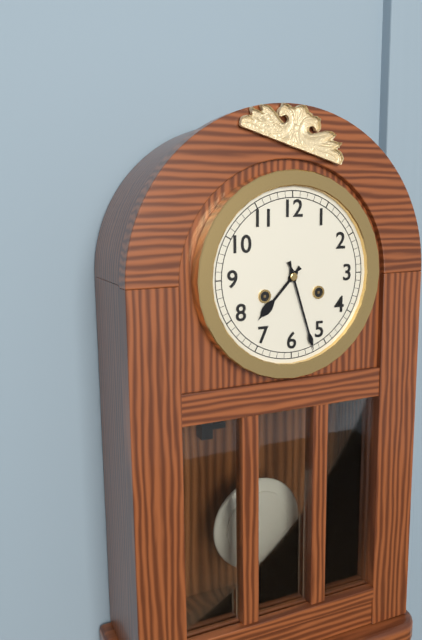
7:27
